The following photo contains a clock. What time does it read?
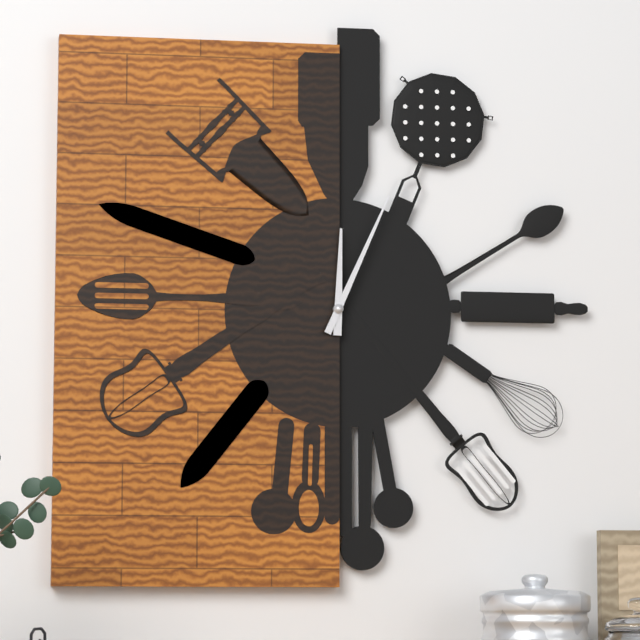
12:04
